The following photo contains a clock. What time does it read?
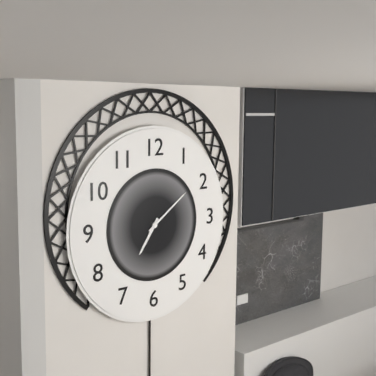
7:09
